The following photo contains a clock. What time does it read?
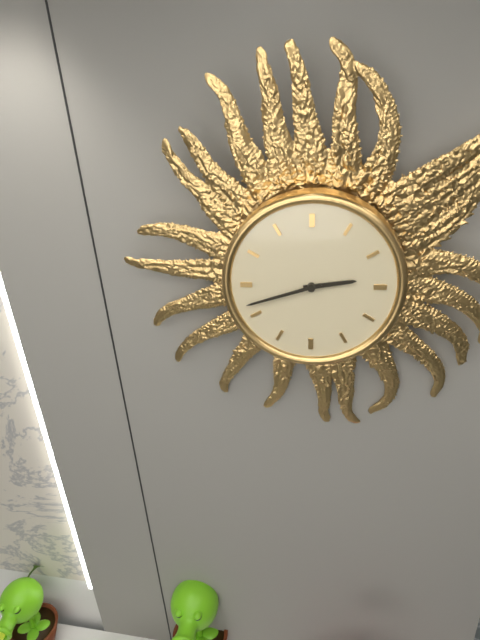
2:42
